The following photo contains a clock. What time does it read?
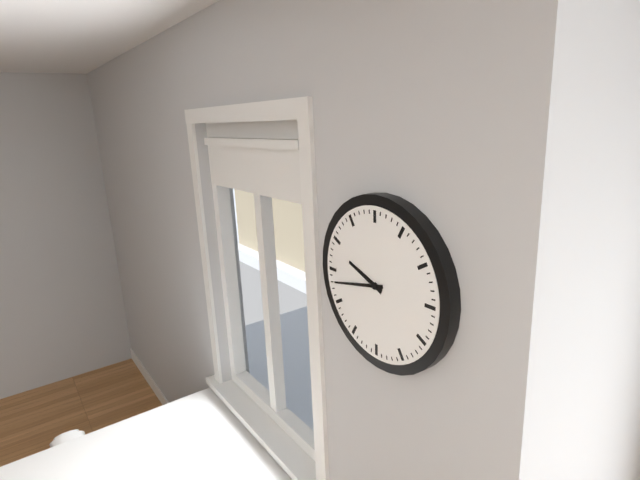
9:43
